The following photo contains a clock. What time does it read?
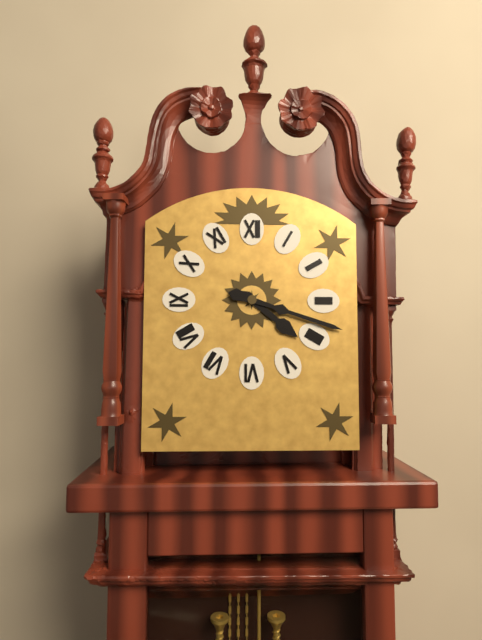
4:18
